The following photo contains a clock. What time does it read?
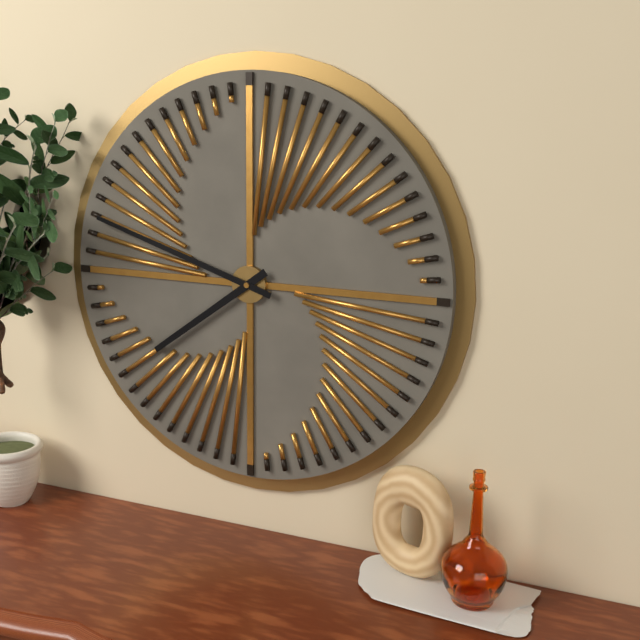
7:48
